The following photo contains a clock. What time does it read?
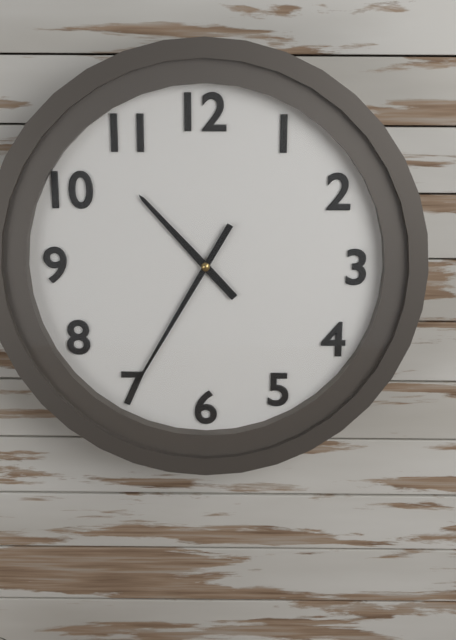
10:35
